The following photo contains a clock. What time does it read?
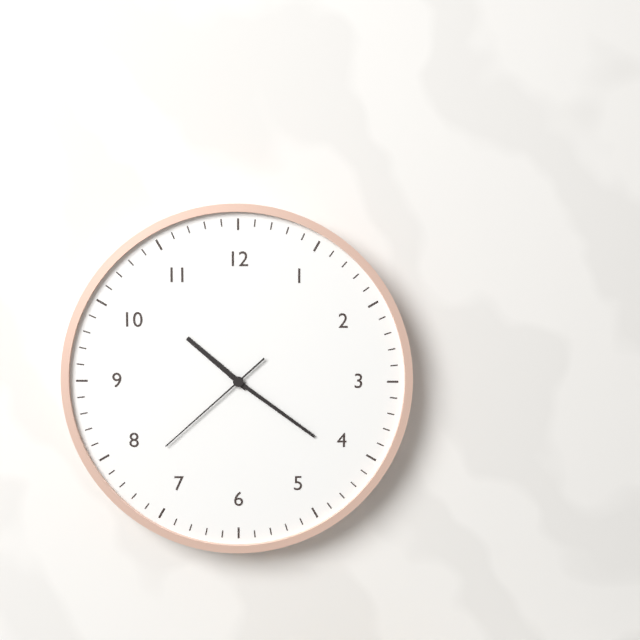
10:21:38
